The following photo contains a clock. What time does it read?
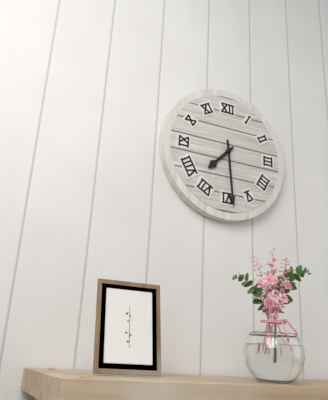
7:29
